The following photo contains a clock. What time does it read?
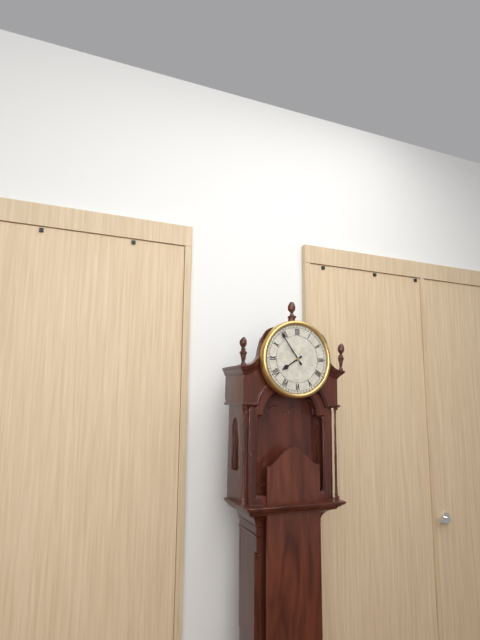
7:54
